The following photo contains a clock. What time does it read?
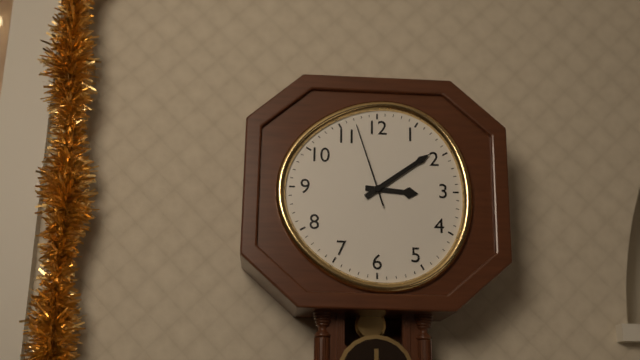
3:09:57
